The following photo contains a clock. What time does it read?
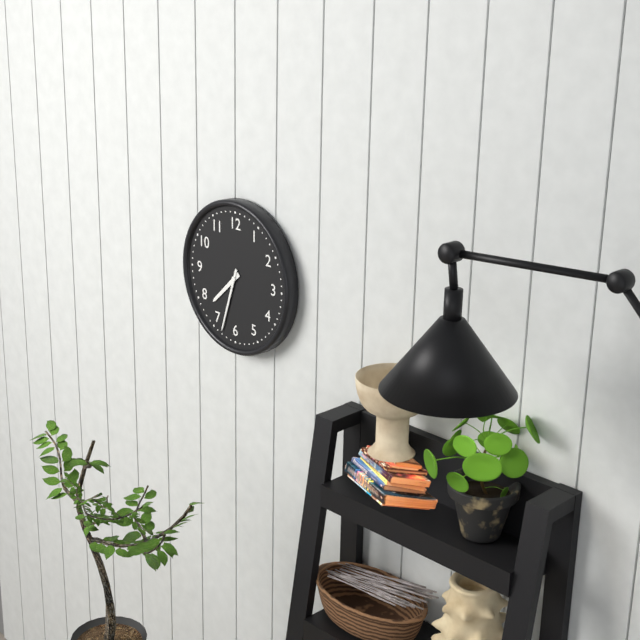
7:33
